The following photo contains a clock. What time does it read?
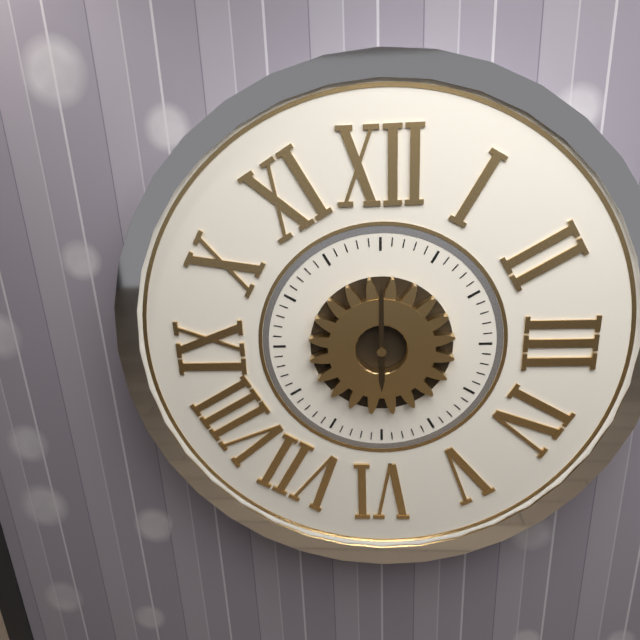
6:00
